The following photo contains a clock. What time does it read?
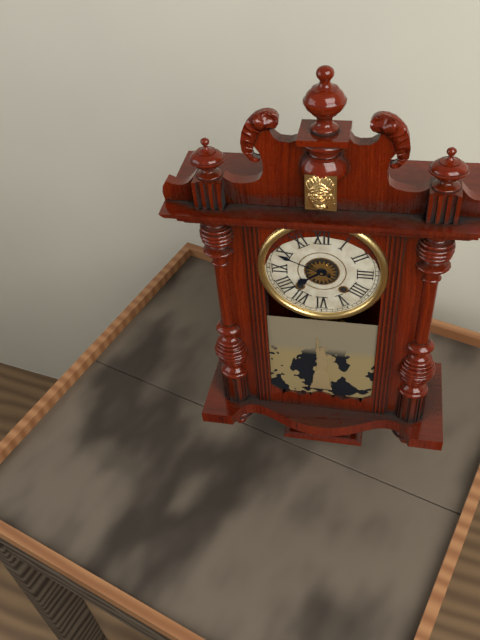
7:49
